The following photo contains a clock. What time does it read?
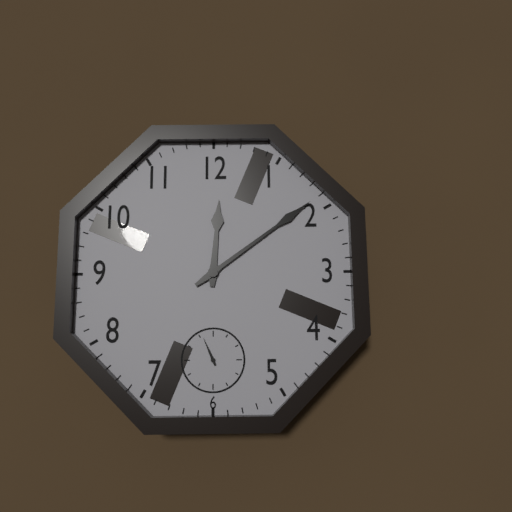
12:09
